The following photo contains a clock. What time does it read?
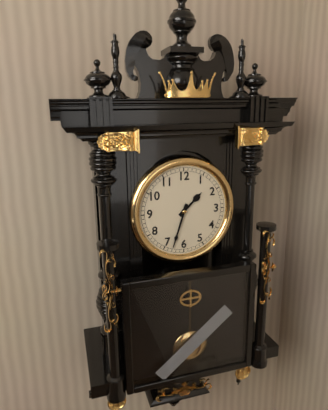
1:33
